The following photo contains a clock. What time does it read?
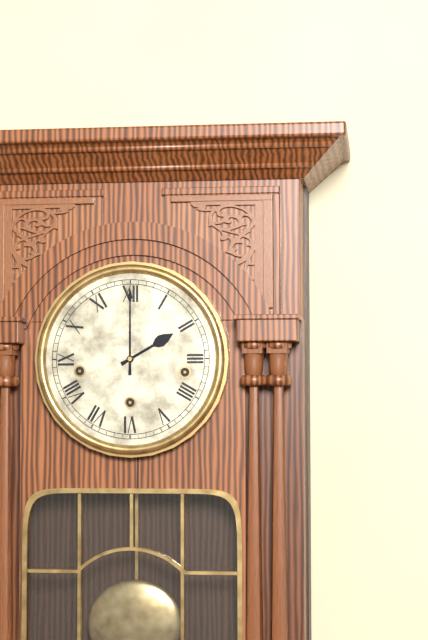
2:00
